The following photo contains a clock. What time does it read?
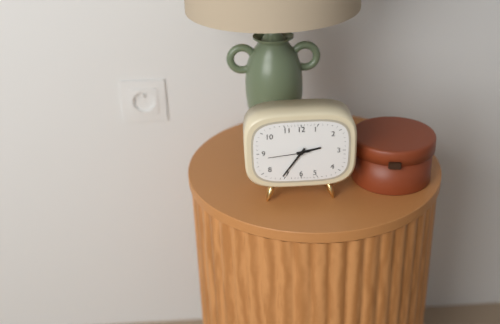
2:36
